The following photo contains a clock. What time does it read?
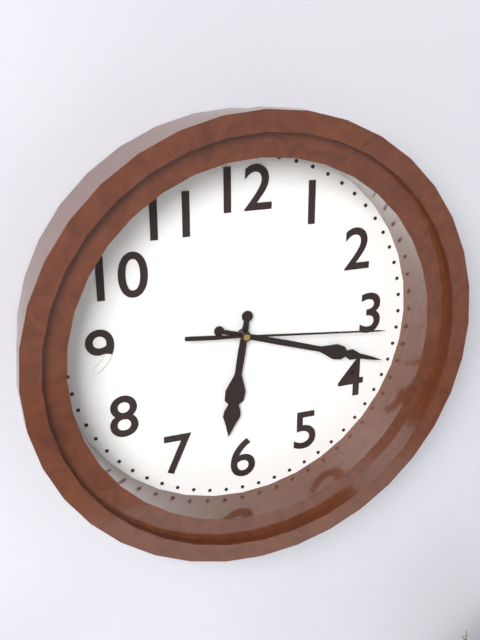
6:18:16
